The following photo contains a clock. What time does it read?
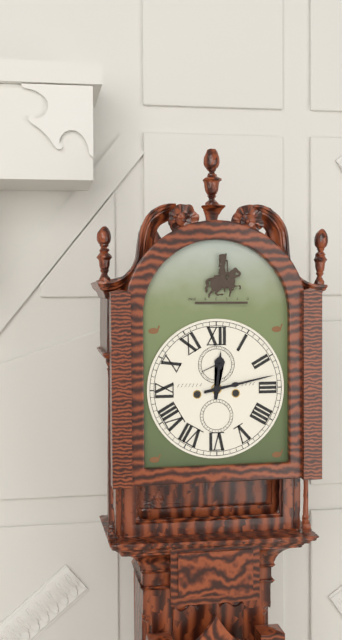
12:13
